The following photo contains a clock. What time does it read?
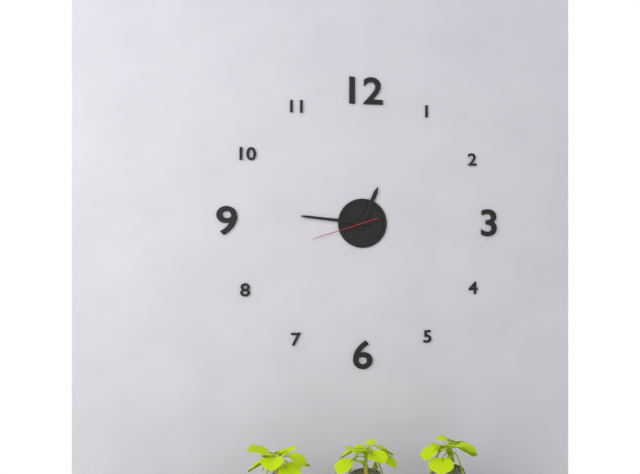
12:46:42
